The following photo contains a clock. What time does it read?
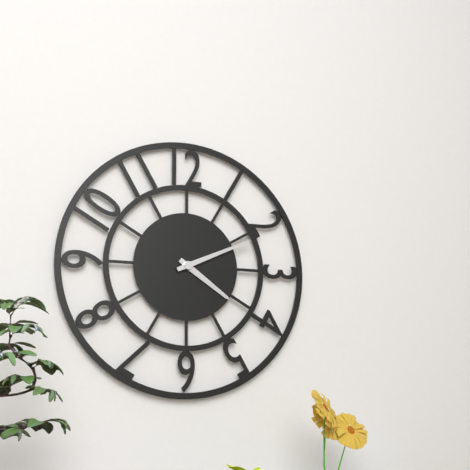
4:11
